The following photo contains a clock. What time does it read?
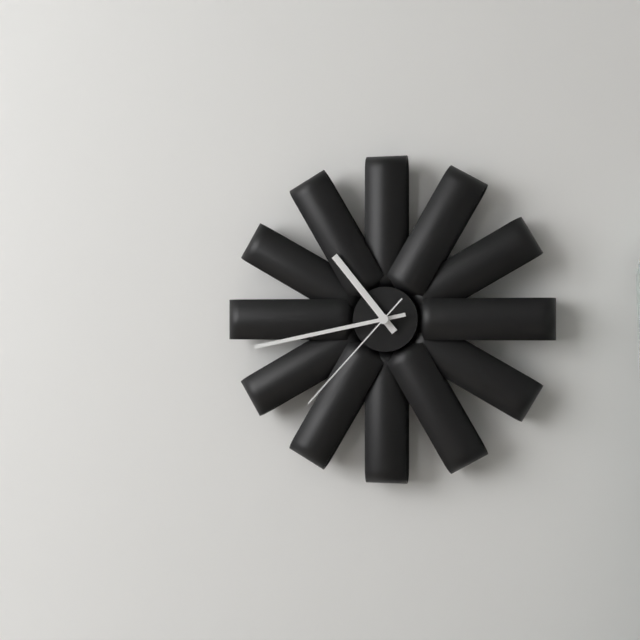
10:43:37
